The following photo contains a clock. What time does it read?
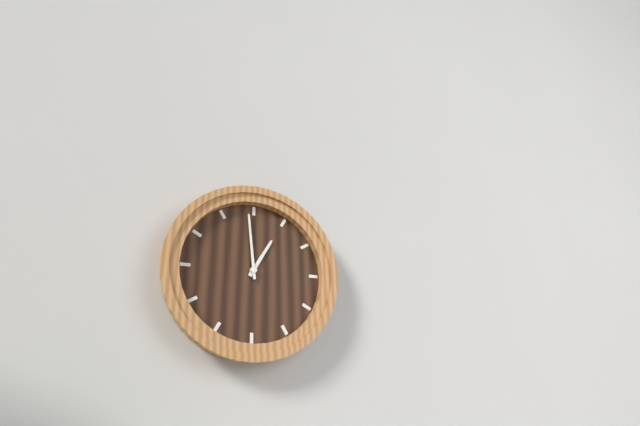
12:59
